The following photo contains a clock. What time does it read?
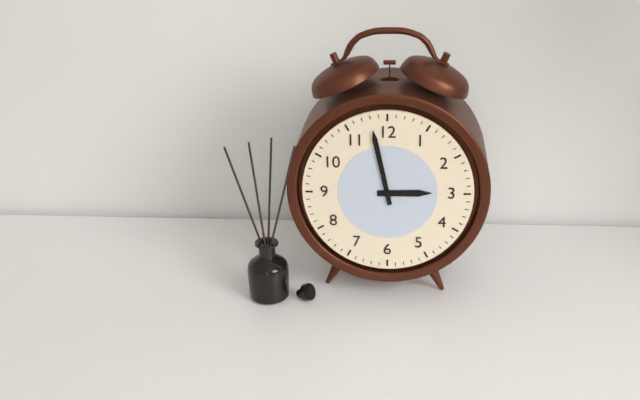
2:58
